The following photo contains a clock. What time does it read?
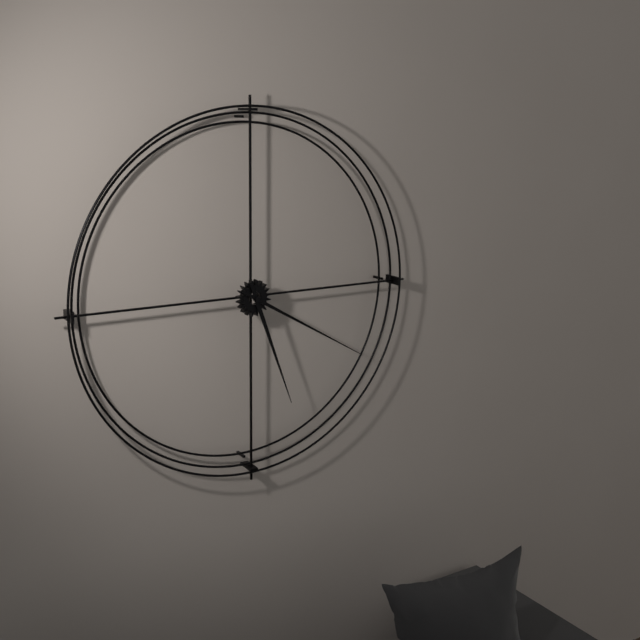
5:20
